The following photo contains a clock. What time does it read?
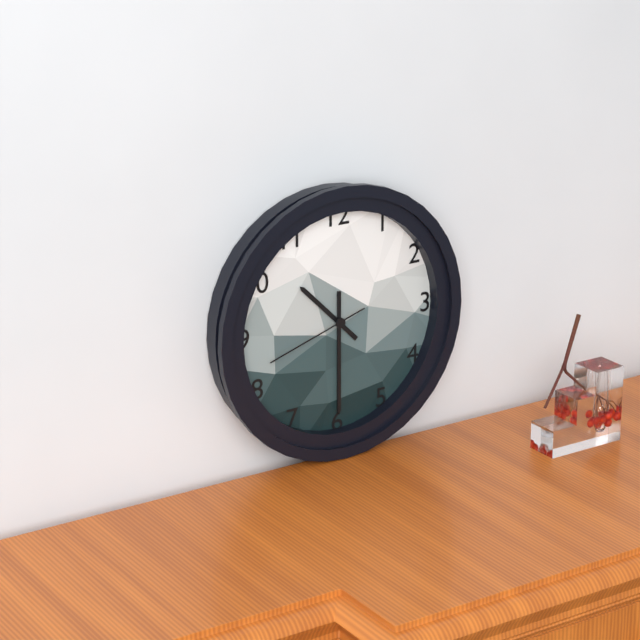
10:30:42
